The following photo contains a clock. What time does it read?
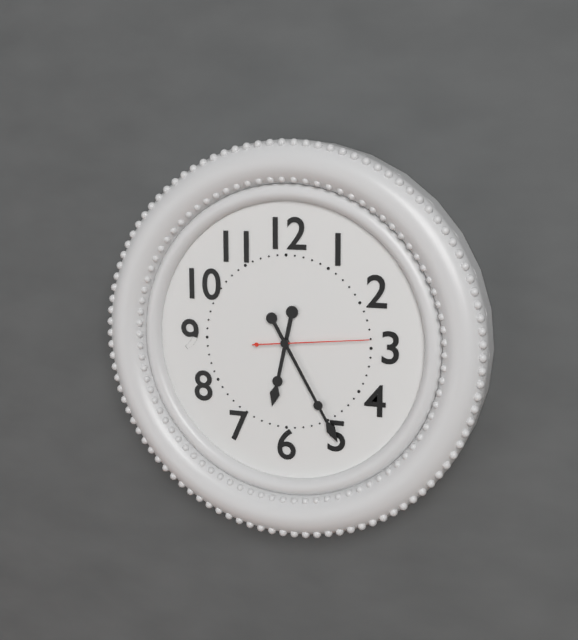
6:25:14
